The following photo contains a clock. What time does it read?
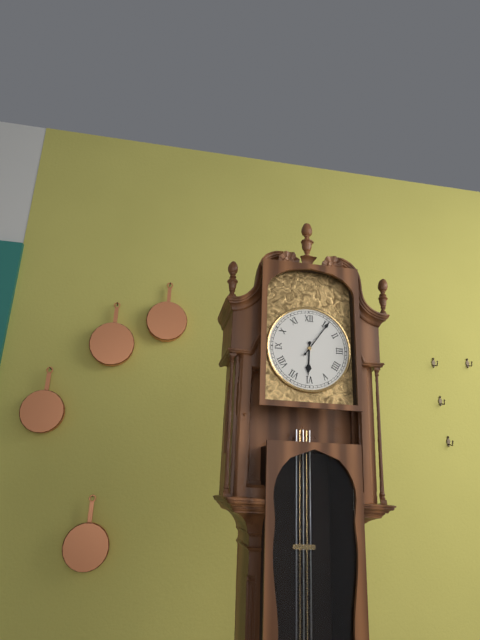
6:06
